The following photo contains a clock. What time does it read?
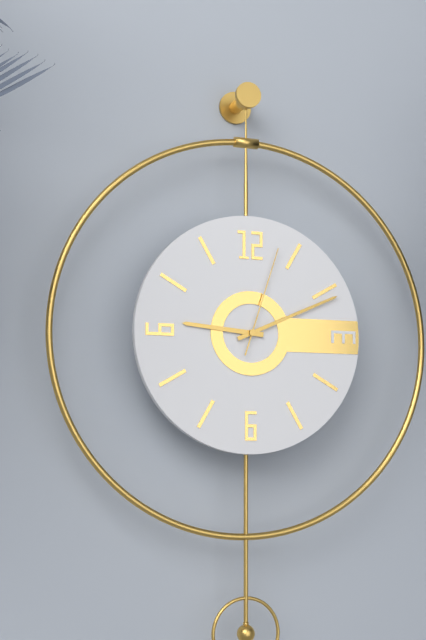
9:11:03
